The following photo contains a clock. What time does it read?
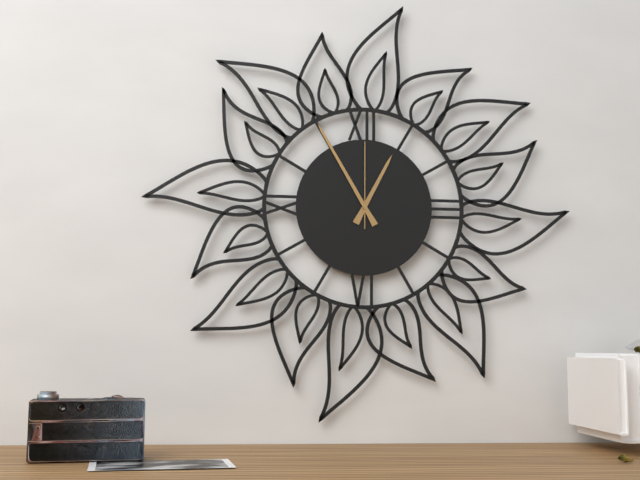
12:55:00
